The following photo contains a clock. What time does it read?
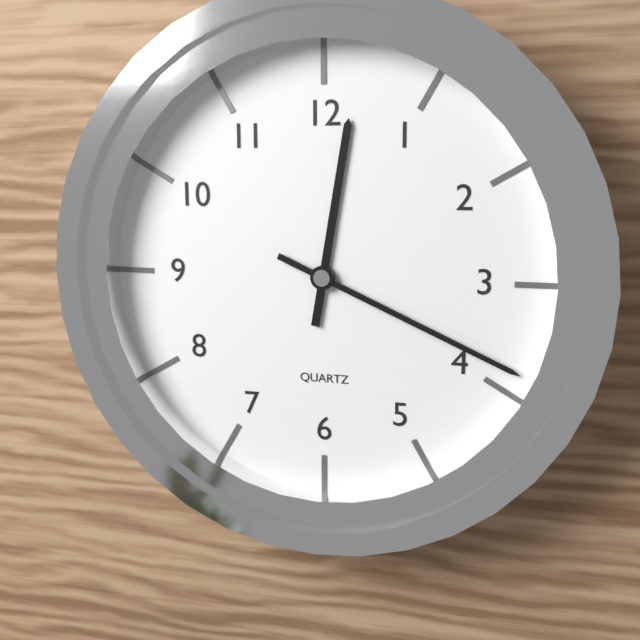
12:19
